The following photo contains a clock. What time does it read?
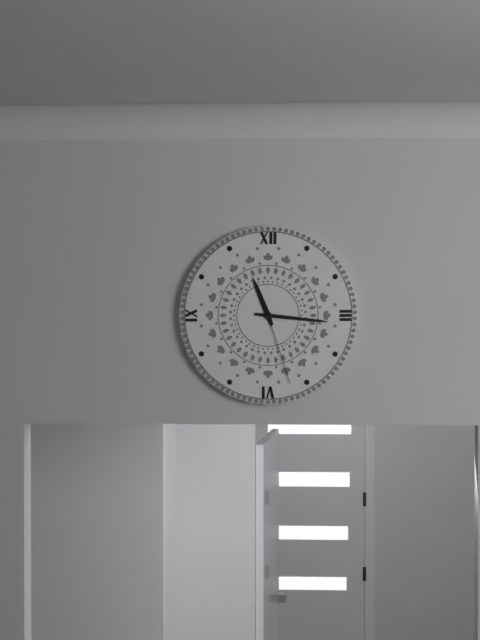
11:16:27
